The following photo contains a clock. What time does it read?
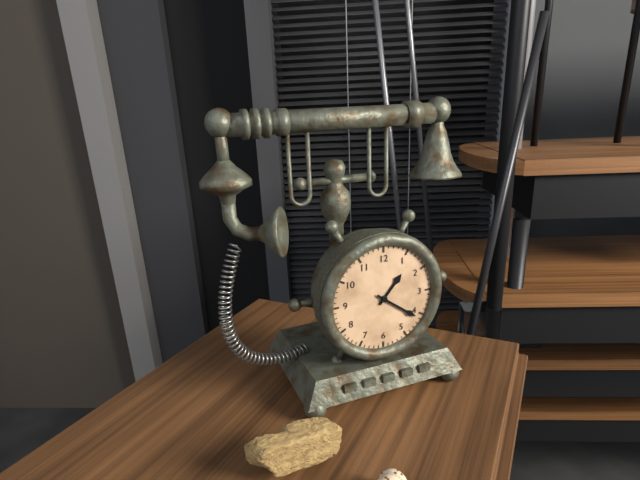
1:21
